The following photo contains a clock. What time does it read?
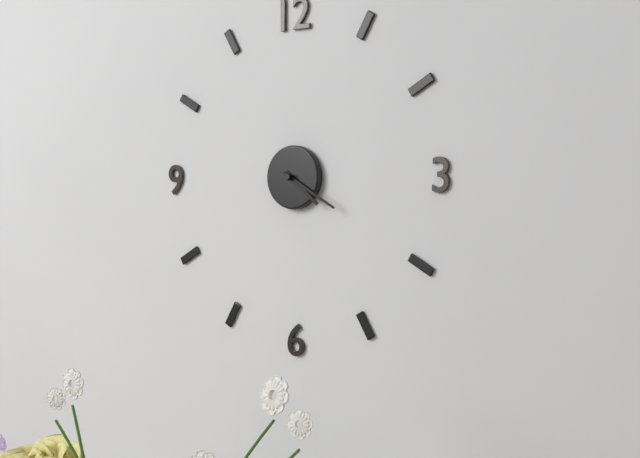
4:20
